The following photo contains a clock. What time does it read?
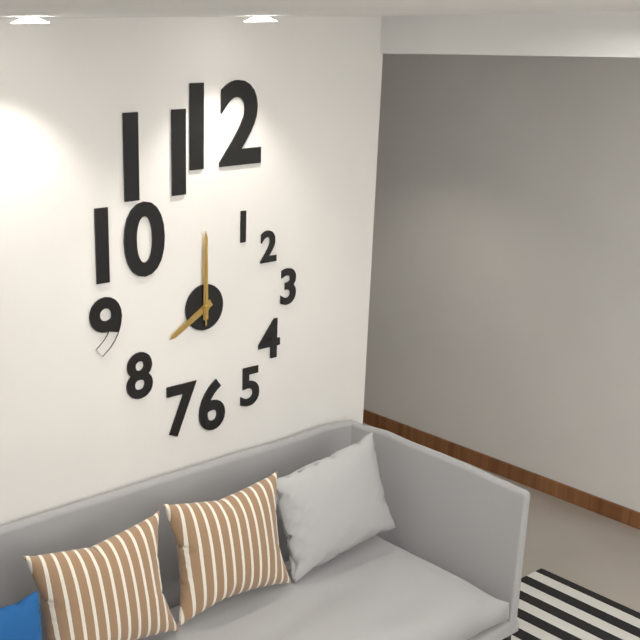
8:00:00
